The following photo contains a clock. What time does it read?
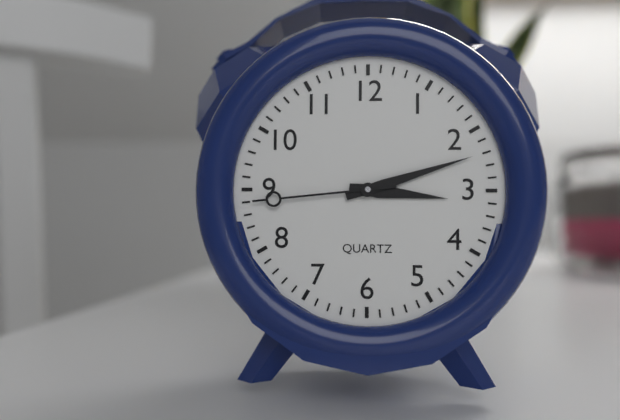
3:12:44
